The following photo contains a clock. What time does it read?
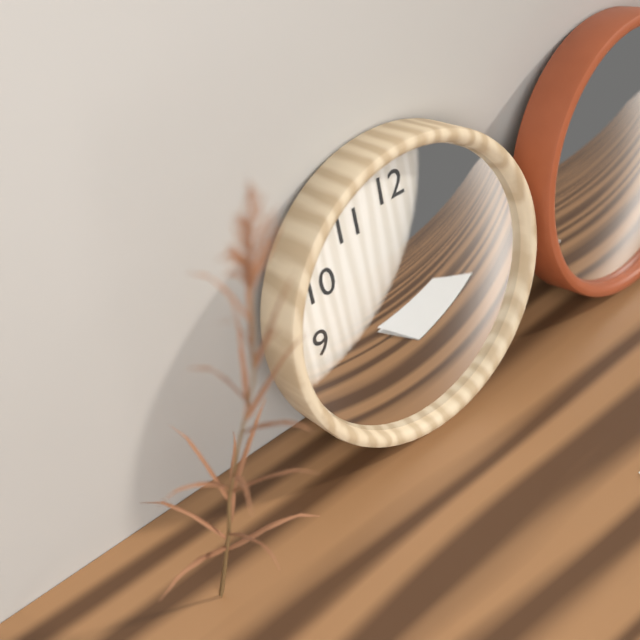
1:35
